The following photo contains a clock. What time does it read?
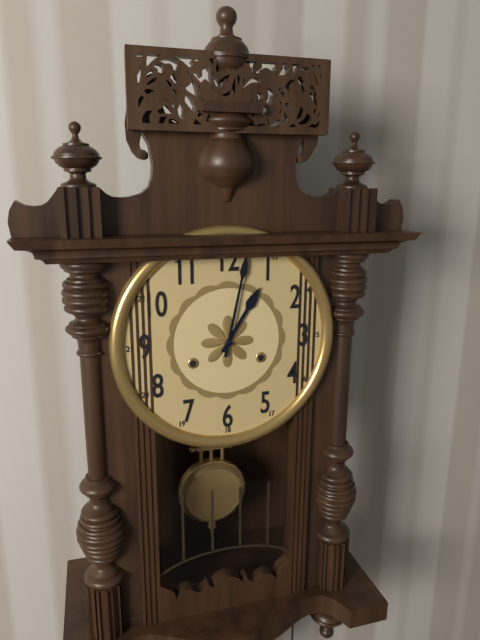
1:02
